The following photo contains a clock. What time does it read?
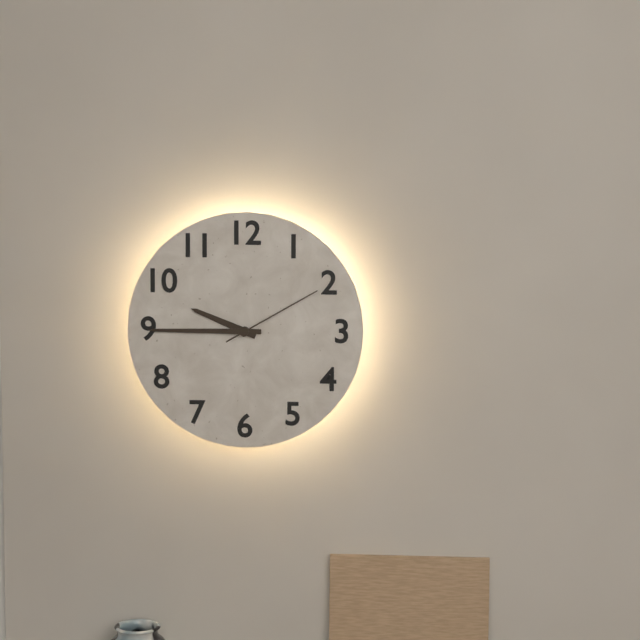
9:45:10
